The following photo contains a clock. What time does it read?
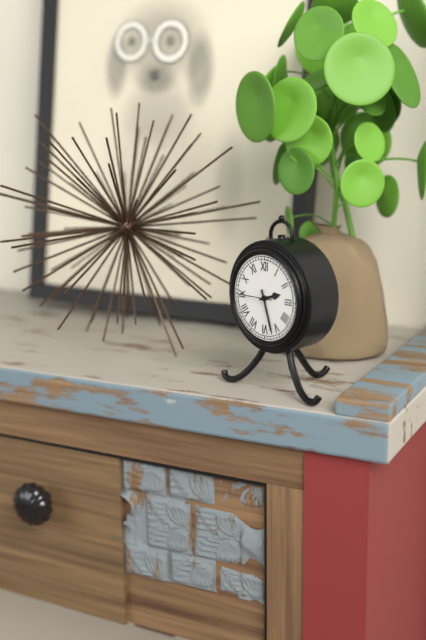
2:27:45
